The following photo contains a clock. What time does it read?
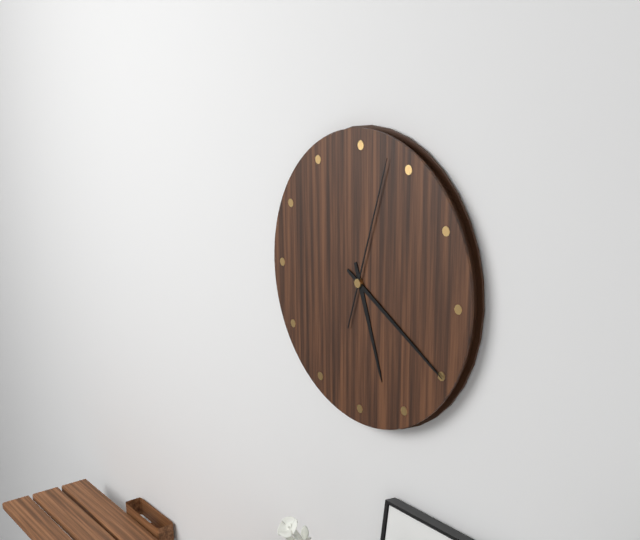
5:20:03
